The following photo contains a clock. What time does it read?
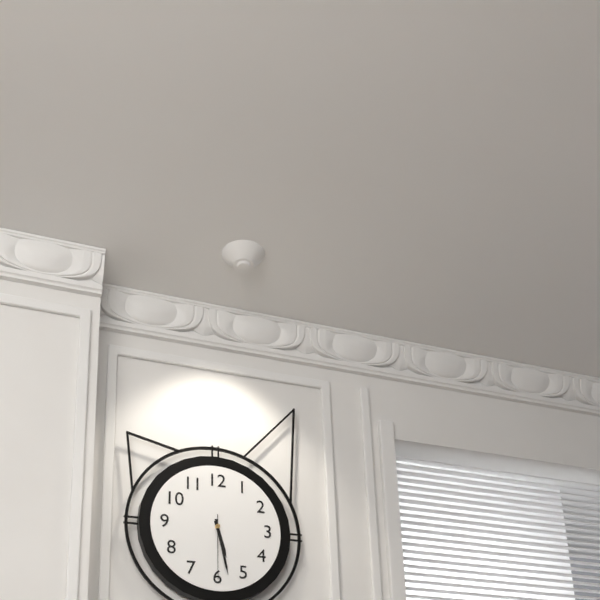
5:28:30
